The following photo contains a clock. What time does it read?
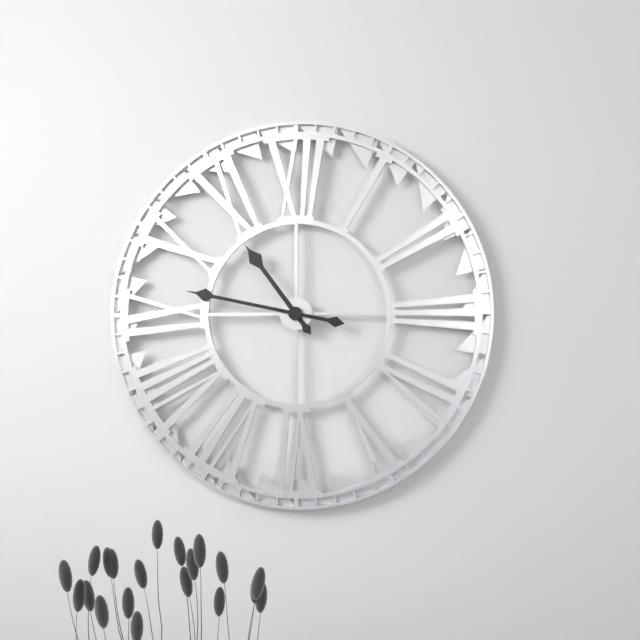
10:47
